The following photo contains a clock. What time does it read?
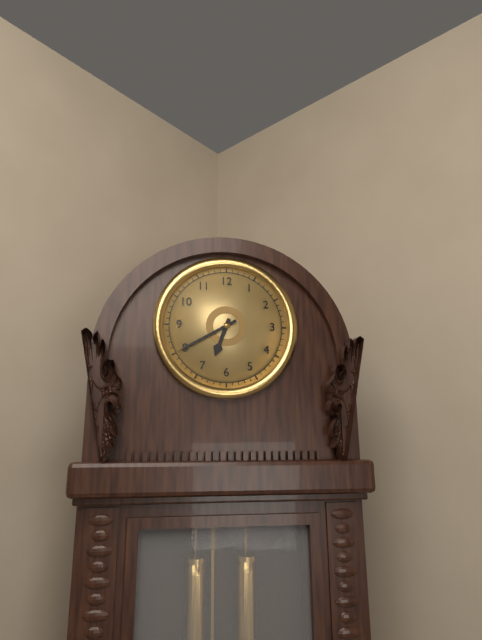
6:40
